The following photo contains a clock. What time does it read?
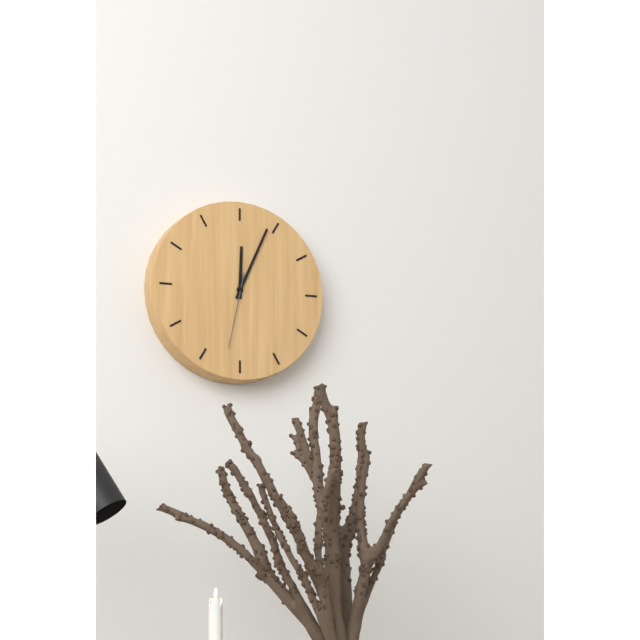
12:04:32
